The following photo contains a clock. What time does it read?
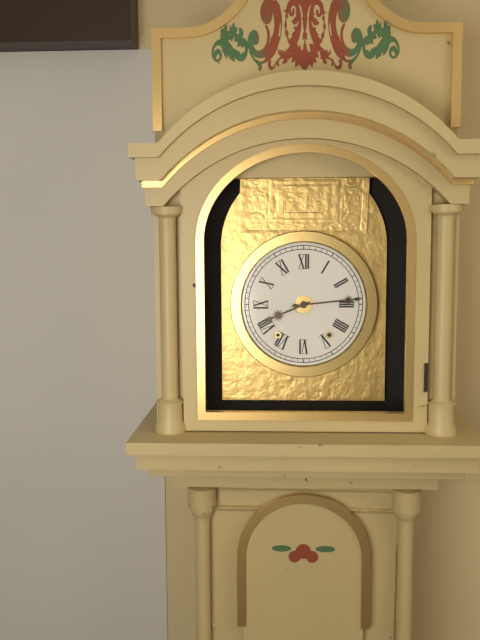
8:14
